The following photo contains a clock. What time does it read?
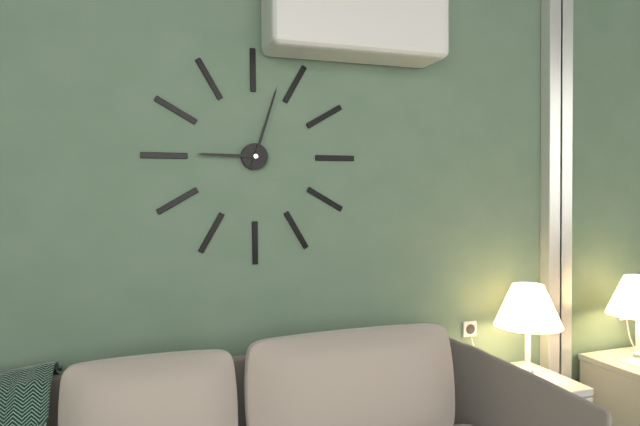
9:03
